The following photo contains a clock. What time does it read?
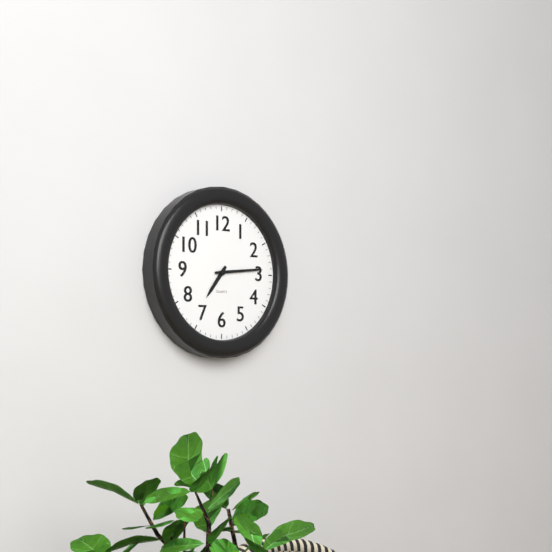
7:14
